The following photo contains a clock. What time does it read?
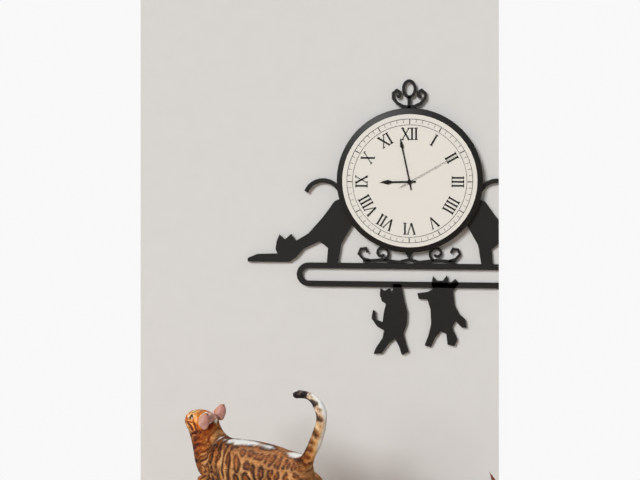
8:58:10
